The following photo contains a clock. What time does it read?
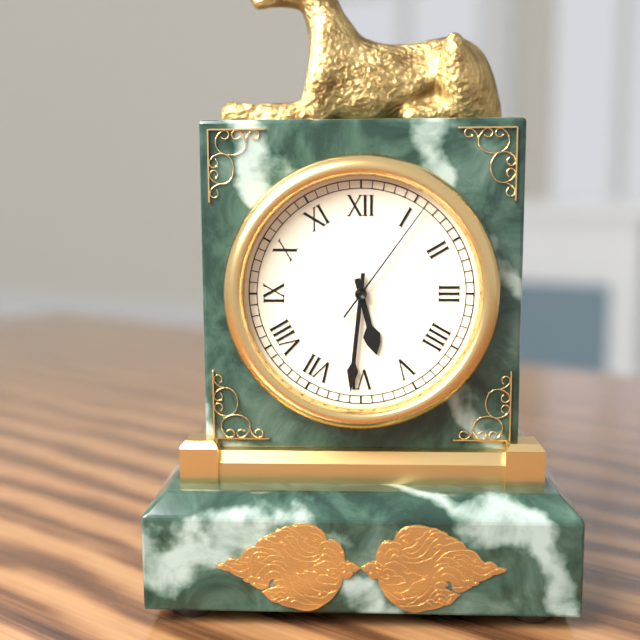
5:31:06
